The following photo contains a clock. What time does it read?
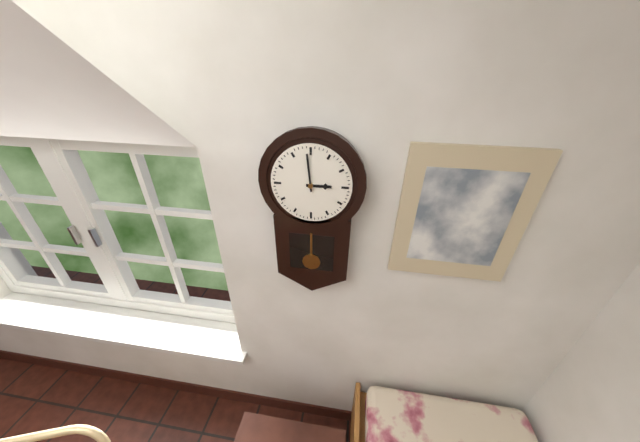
2:59
